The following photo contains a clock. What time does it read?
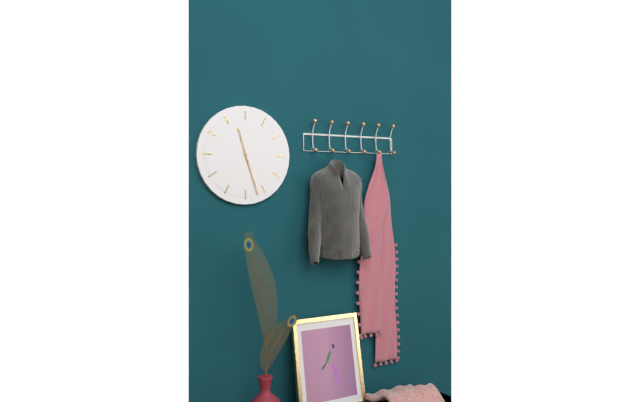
11:27
